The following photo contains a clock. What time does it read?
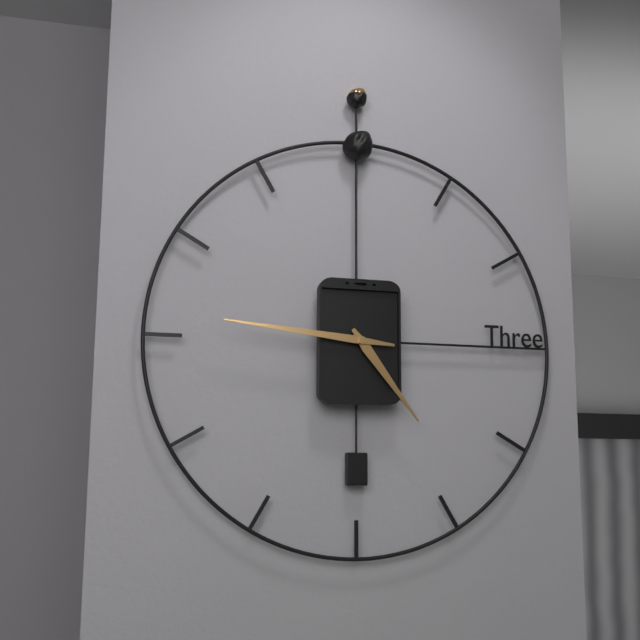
4:46
